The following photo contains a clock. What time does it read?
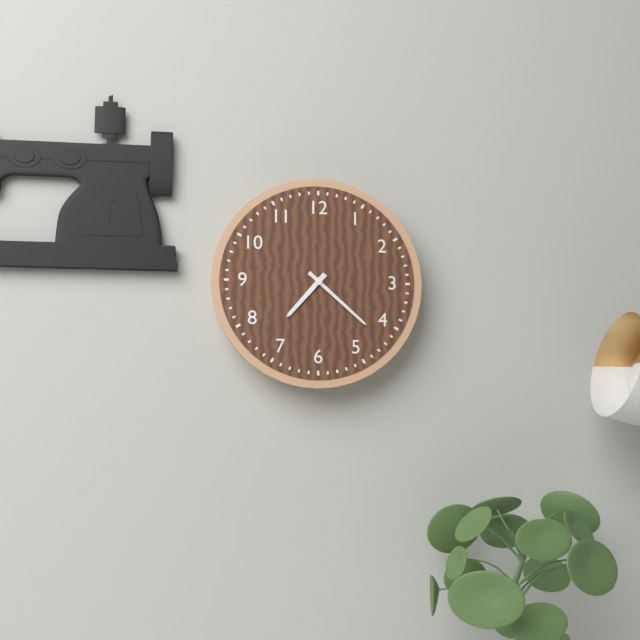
7:22
